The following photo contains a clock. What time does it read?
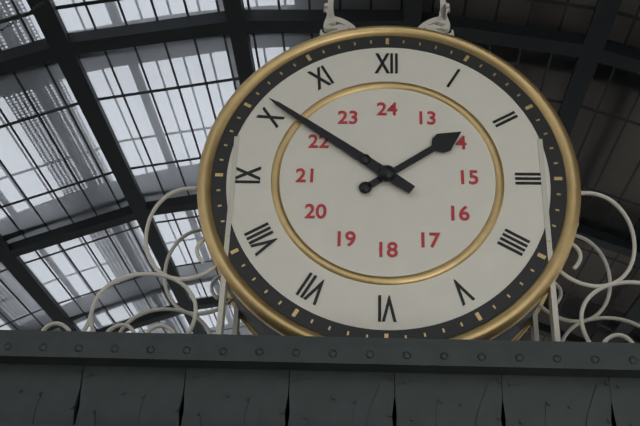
1:51
